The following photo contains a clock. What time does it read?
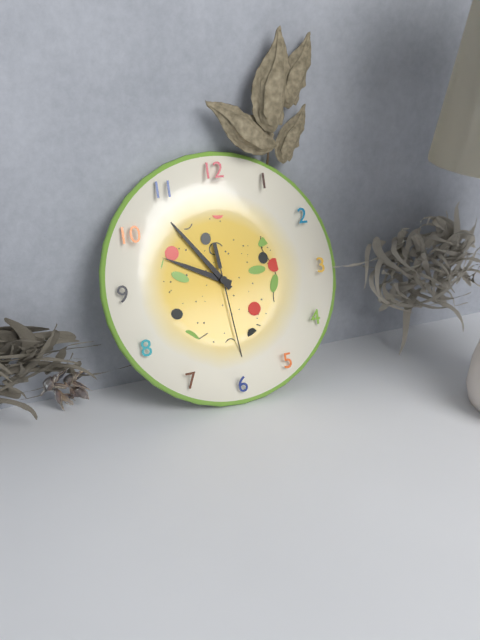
9:54:29
